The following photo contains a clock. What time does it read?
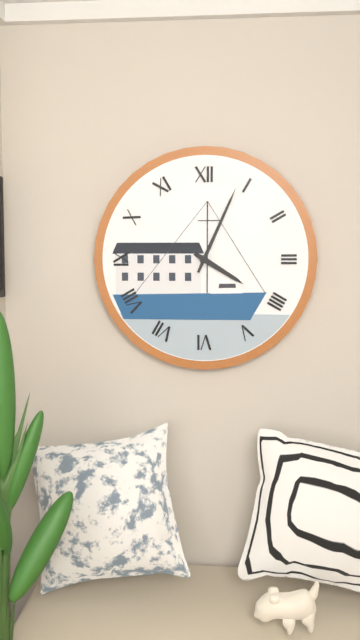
4:04
